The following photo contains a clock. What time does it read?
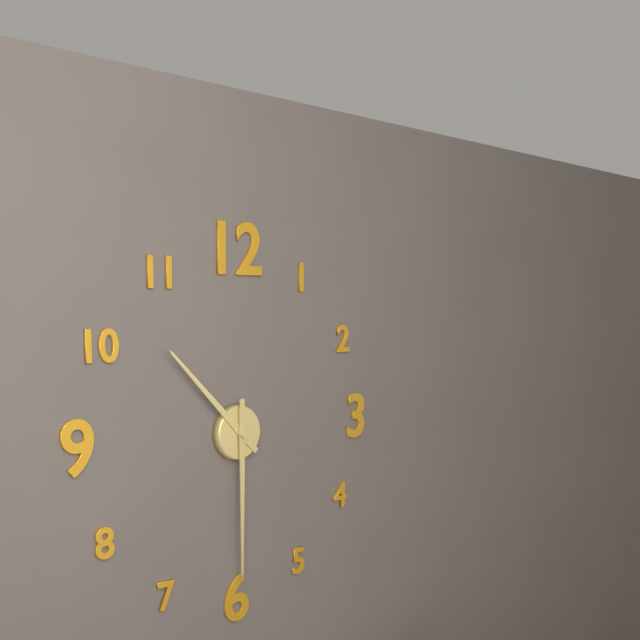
10:30
